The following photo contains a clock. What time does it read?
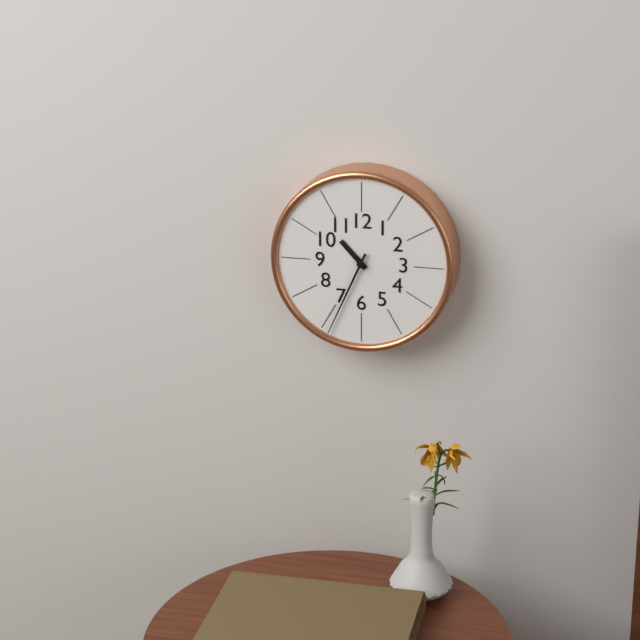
10:34
